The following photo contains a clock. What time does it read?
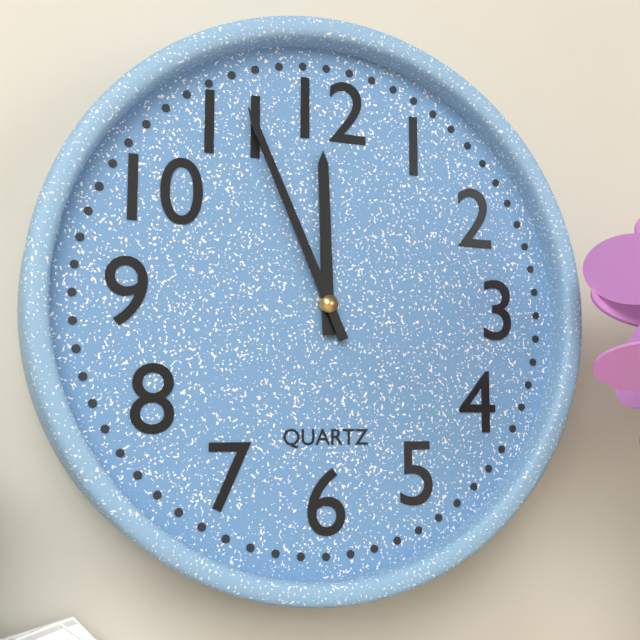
11:56
